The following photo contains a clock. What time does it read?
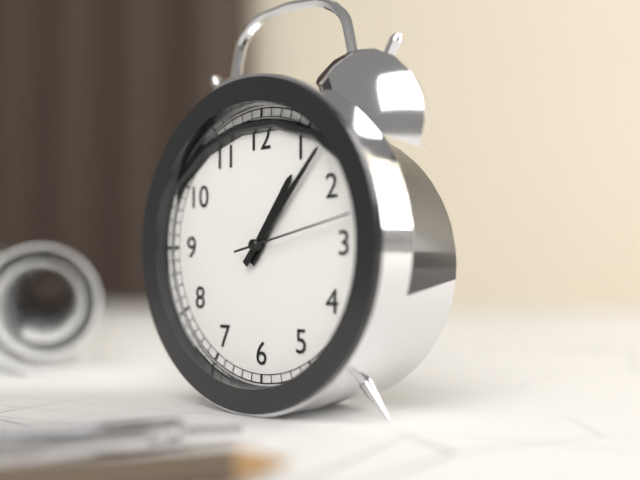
1:07:13
